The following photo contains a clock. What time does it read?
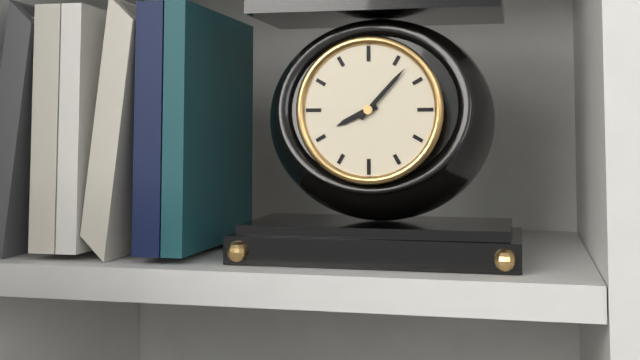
8:07
